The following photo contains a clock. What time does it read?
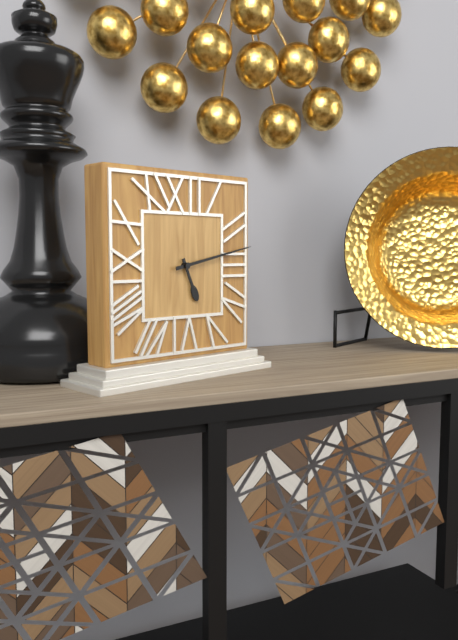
5:13
